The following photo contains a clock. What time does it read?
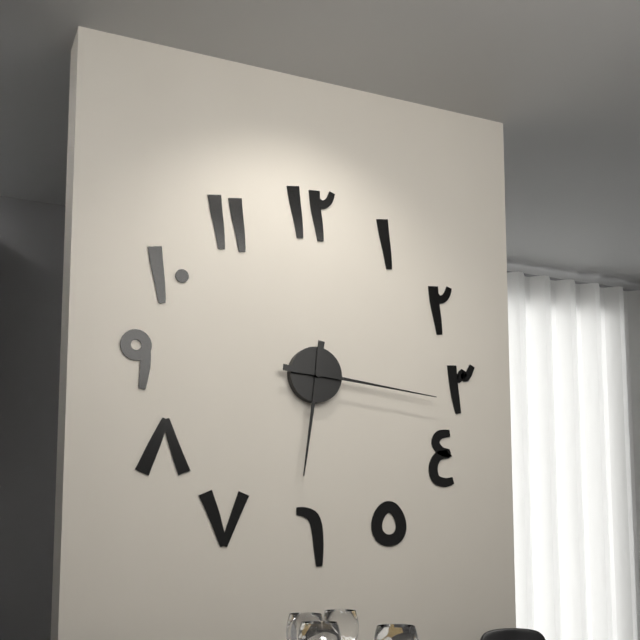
6:16
